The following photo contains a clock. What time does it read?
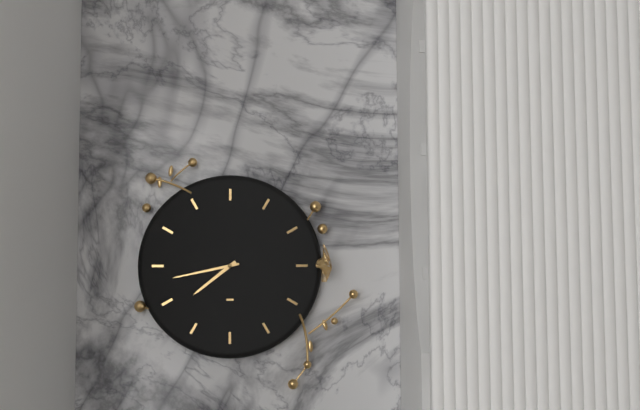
7:43
